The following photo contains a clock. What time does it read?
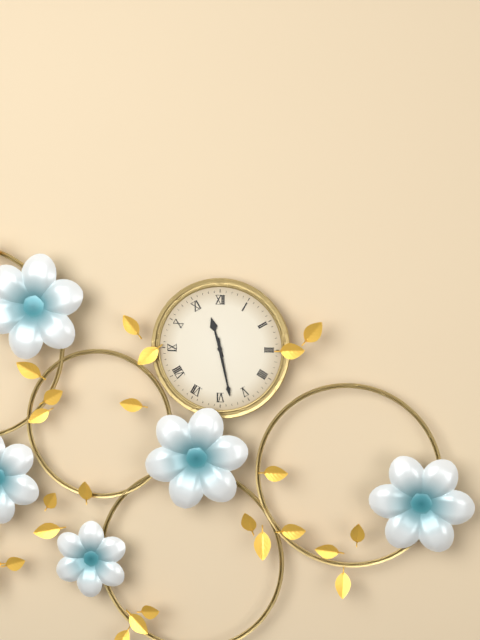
11:28
